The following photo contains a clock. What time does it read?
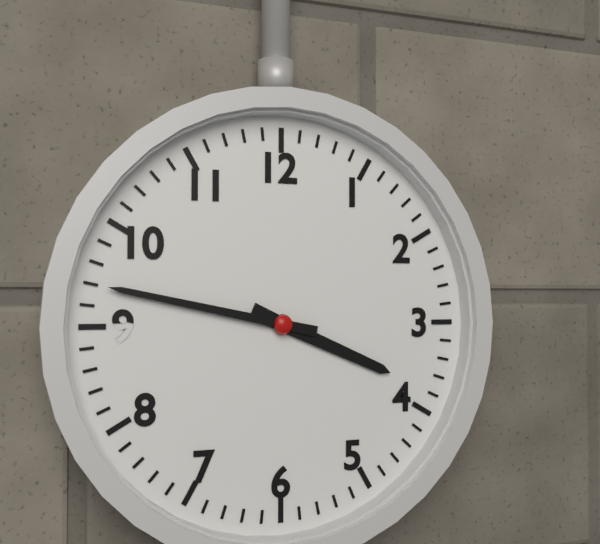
3:47
